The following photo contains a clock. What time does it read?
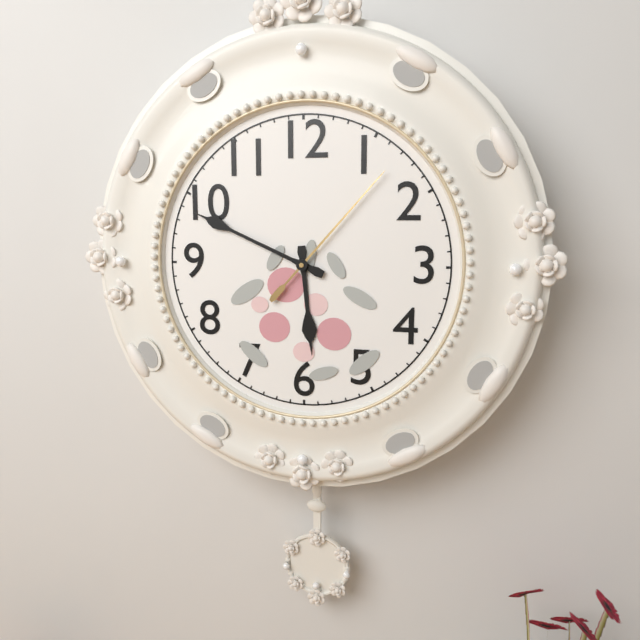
5:49:07
